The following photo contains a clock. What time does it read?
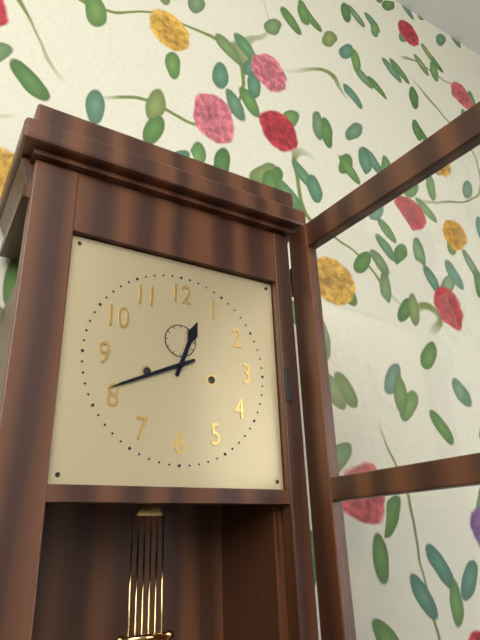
12:41
